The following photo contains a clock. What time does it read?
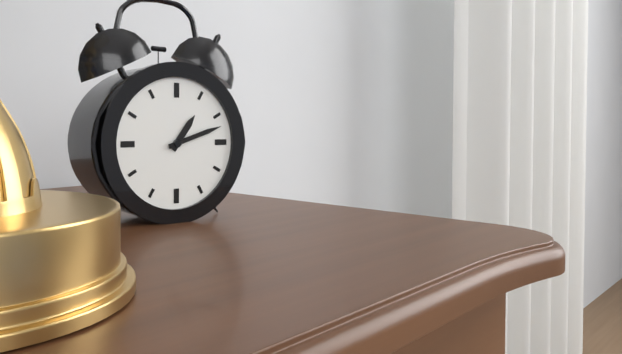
1:12
